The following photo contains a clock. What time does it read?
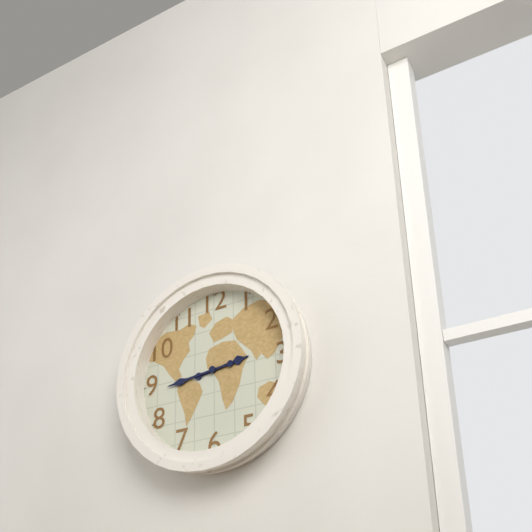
2:44
